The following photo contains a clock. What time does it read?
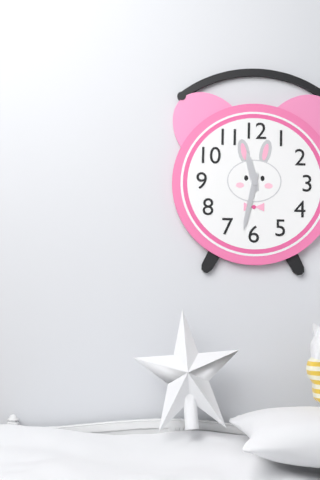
11:32
